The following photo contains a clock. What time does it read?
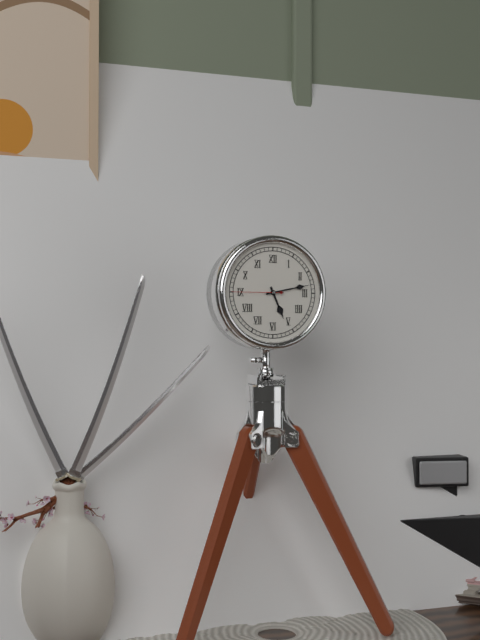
5:13:45
